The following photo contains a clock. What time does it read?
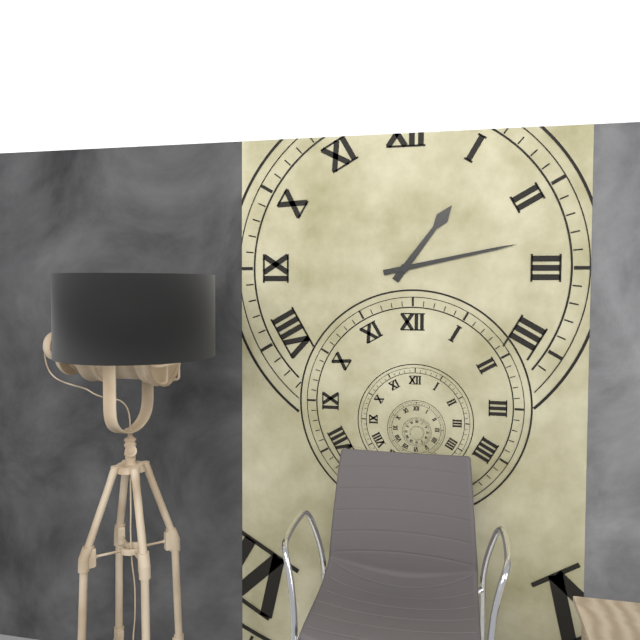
1:13
